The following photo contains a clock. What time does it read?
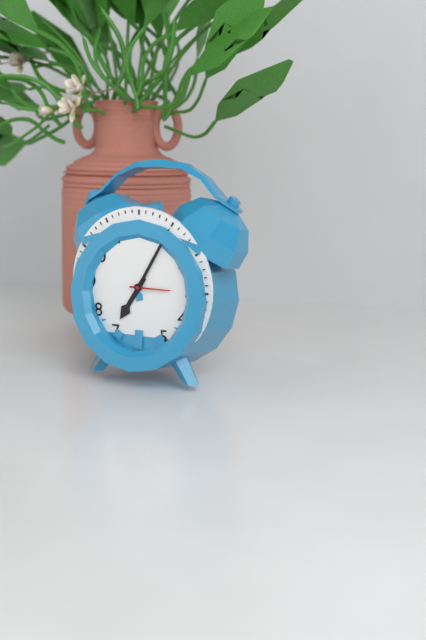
7:05
